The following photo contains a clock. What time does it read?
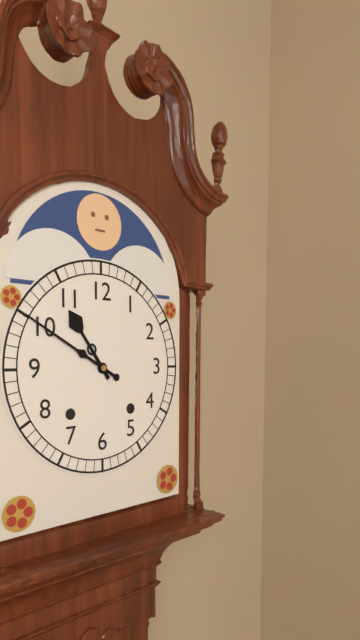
10:50
